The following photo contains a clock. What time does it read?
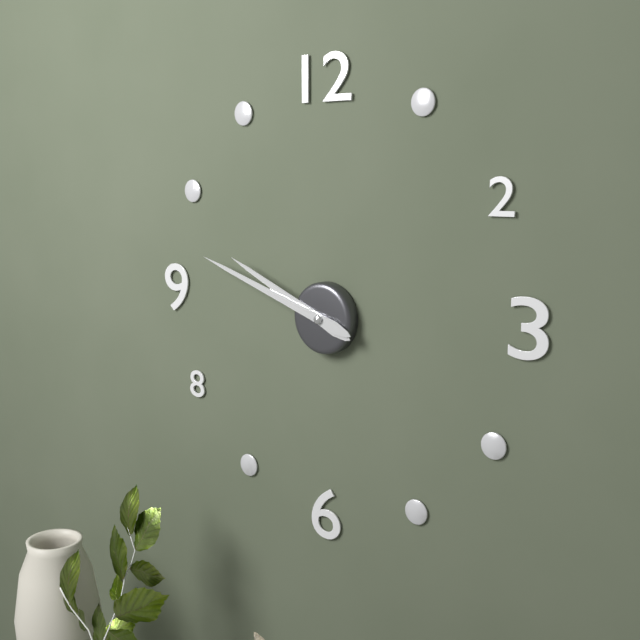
9:48
